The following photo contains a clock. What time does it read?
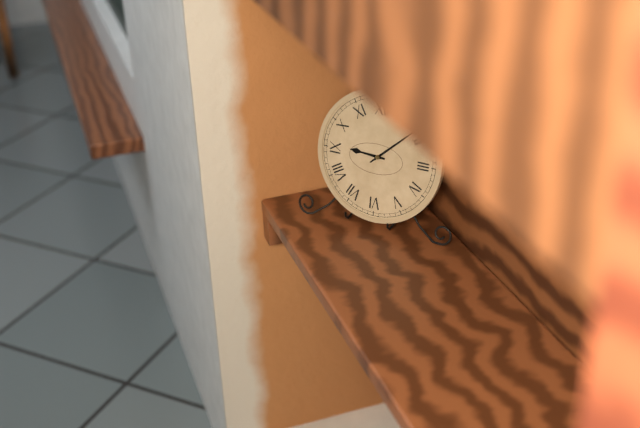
9:08
